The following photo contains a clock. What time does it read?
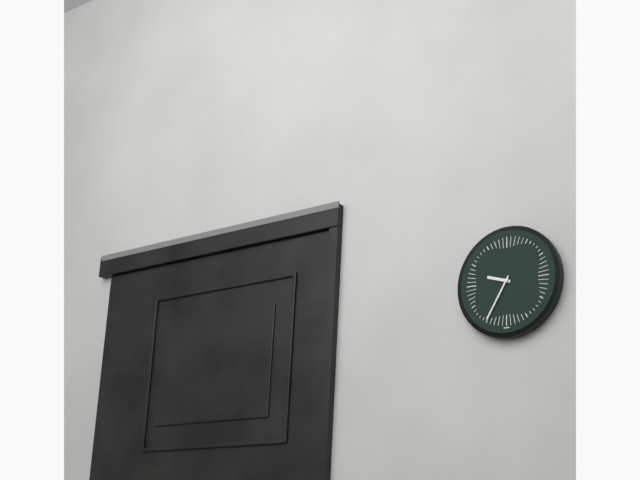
9:35
